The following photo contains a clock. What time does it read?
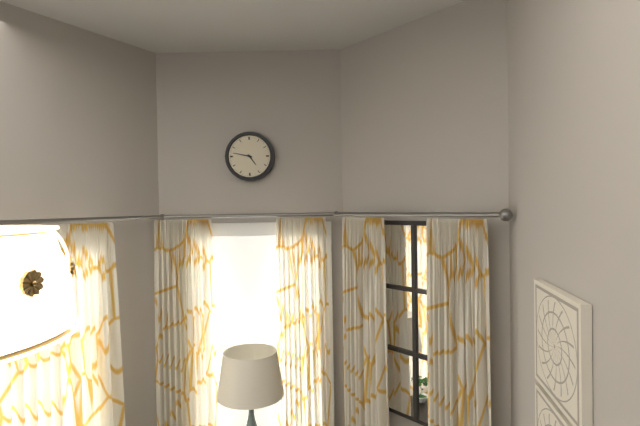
4:47
